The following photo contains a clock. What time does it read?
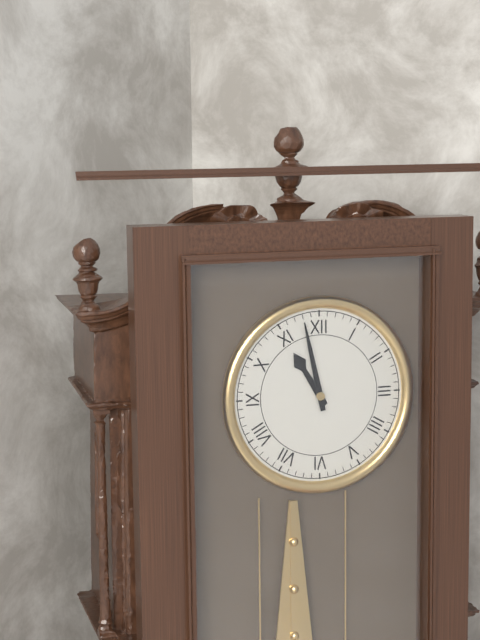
10:58
